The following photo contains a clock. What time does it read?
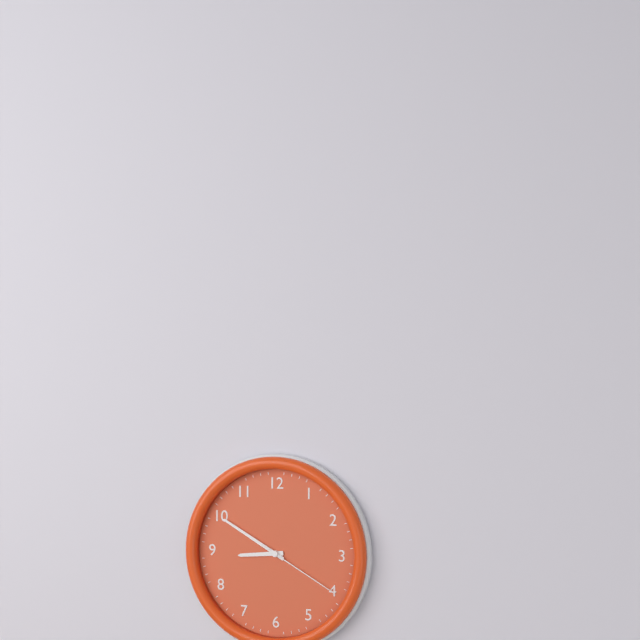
8:50:20
